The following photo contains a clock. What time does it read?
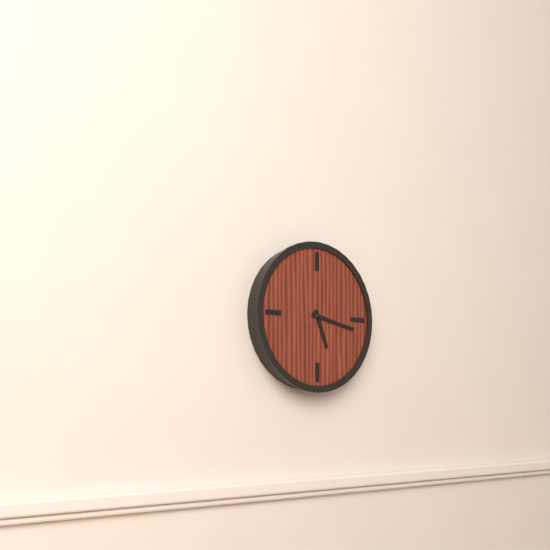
5:17
